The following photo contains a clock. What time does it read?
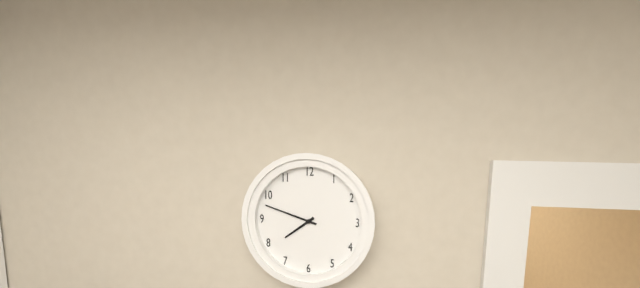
7:48
